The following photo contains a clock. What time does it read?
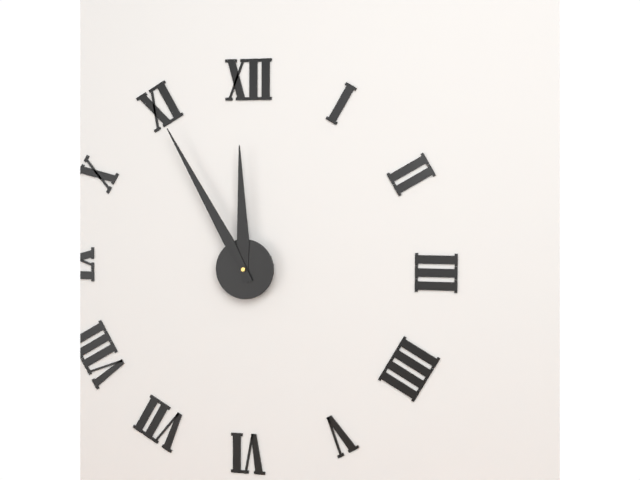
11:55
